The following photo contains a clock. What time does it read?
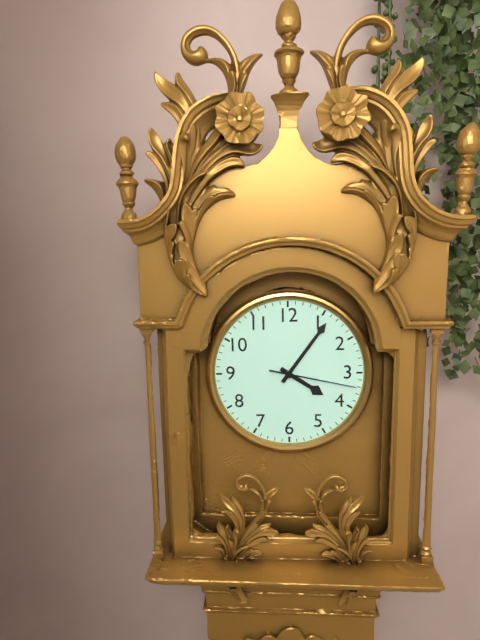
4:06:17
